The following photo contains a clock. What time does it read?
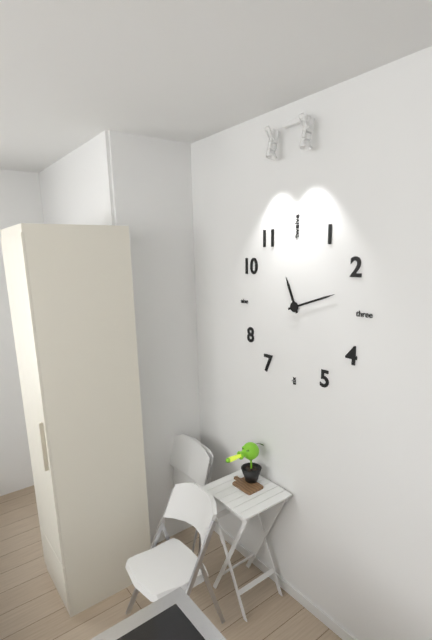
11:12
